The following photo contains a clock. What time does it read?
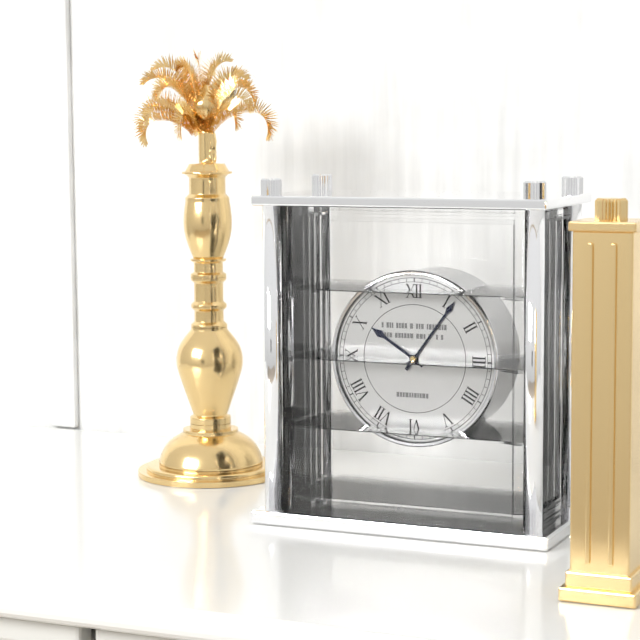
10:06
